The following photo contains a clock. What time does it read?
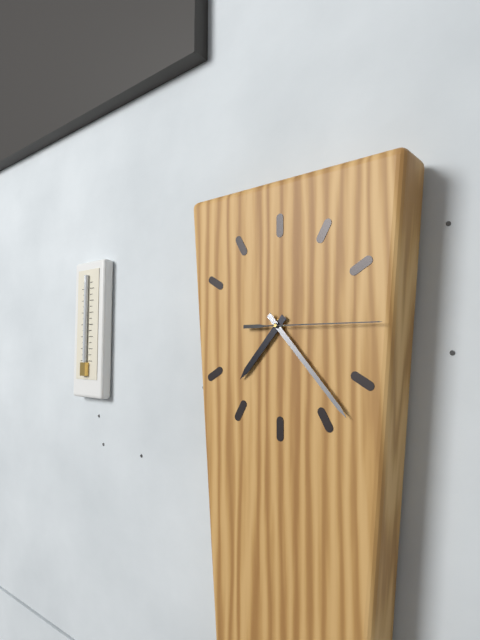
7:23:15
